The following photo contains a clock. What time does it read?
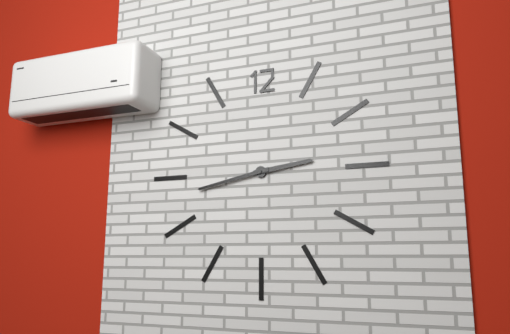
2:43
